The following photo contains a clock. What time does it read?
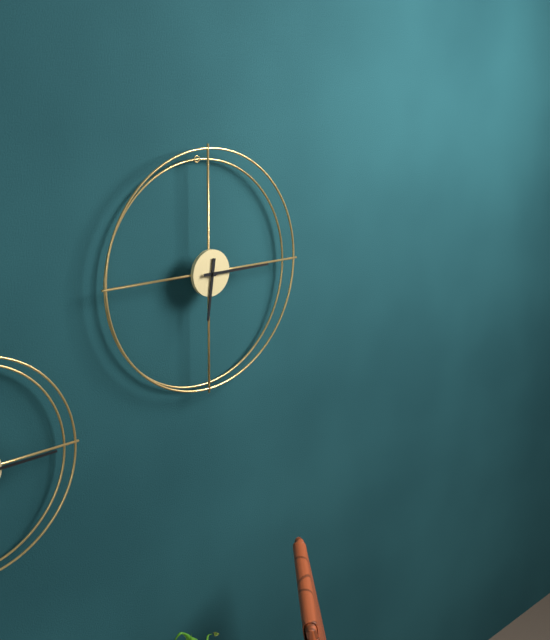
6:15
